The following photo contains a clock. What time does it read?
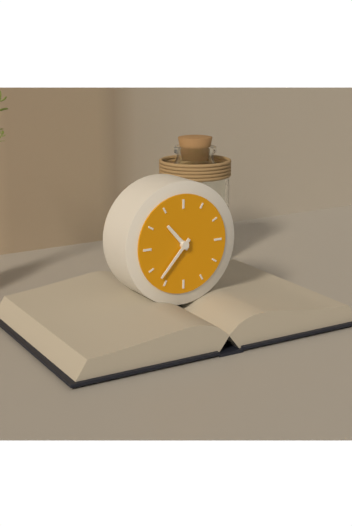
10:37
